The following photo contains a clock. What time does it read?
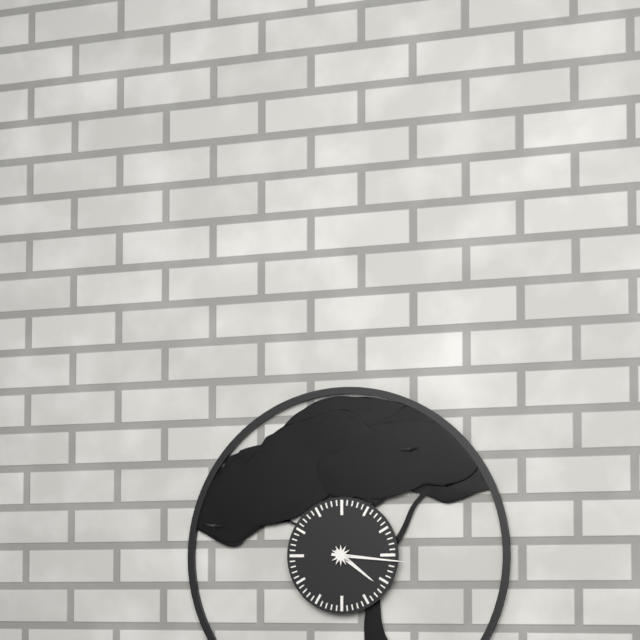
4:16
